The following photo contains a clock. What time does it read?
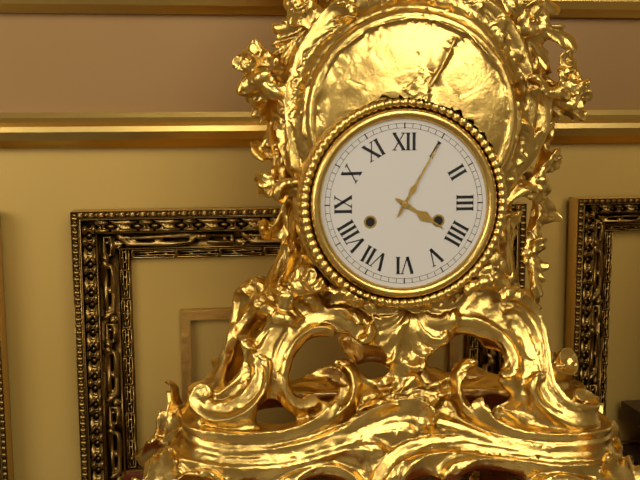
4:05
